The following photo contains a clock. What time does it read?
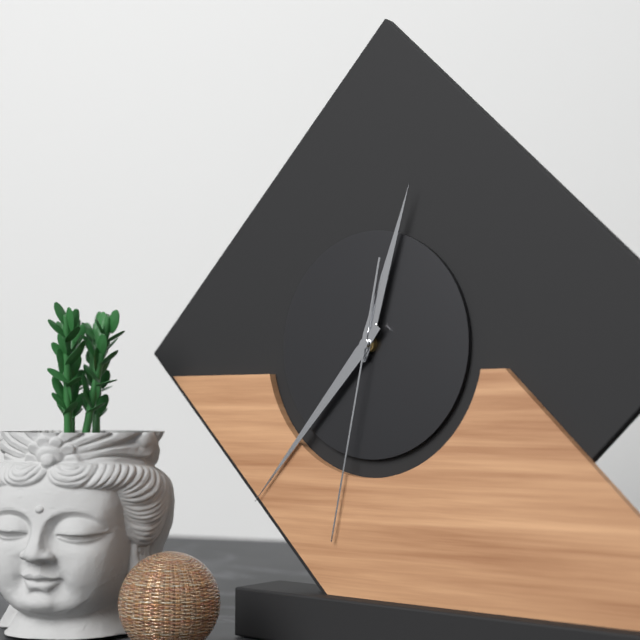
12:37:32
